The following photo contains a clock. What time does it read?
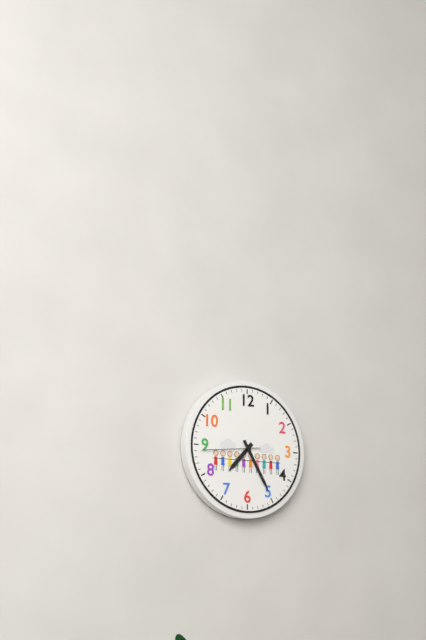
7:25:44
